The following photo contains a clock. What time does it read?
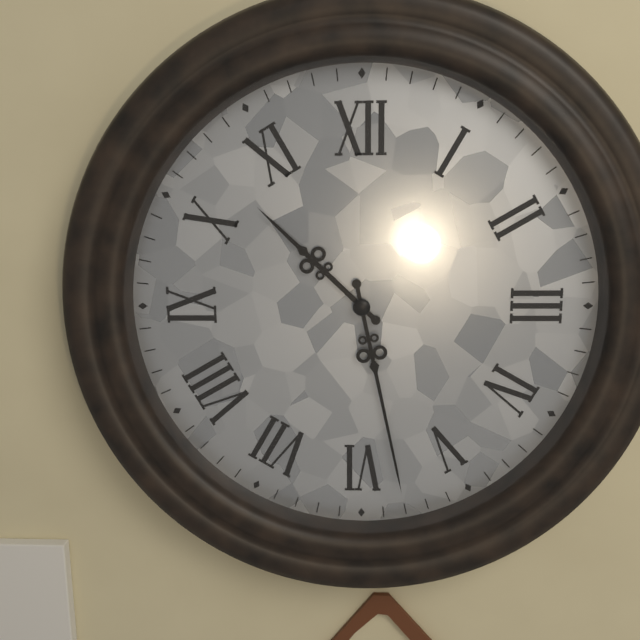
10:28
